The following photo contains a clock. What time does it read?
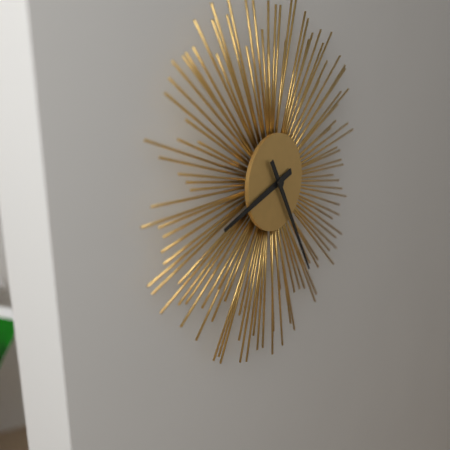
8:25
